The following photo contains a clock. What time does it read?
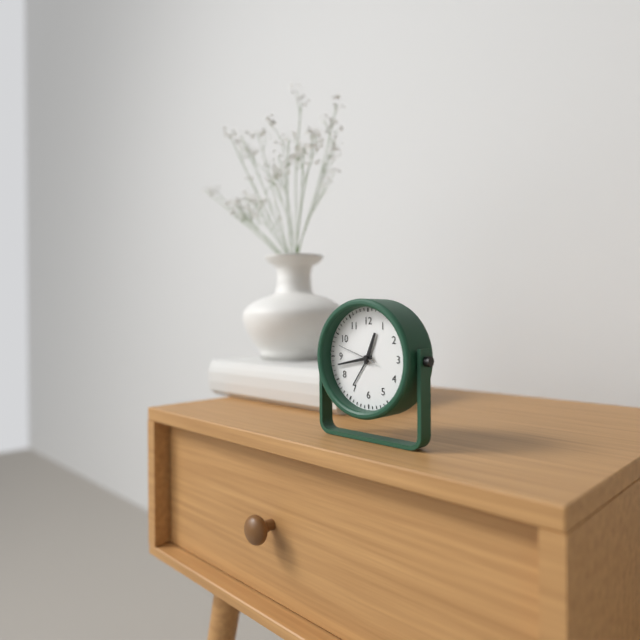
12:43
